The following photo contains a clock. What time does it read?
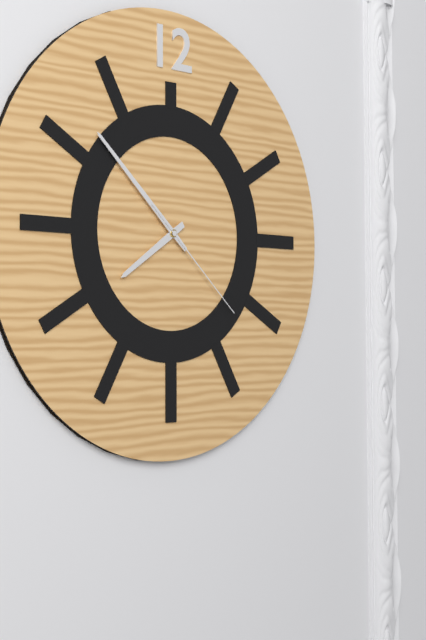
7:52:22
